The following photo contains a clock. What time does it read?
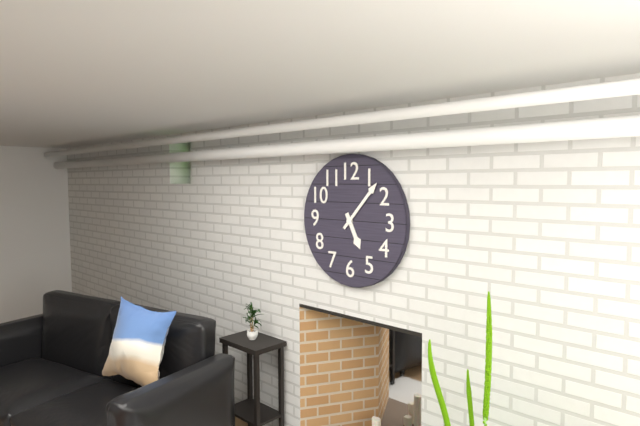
5:07
